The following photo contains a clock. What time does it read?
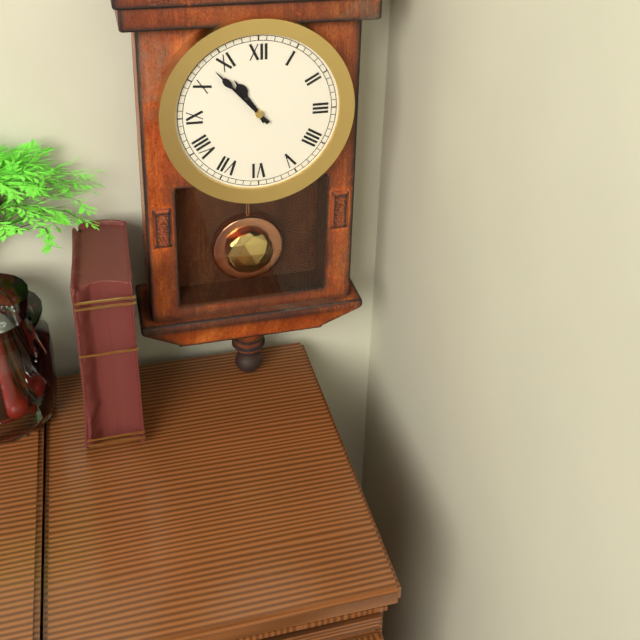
10:53
